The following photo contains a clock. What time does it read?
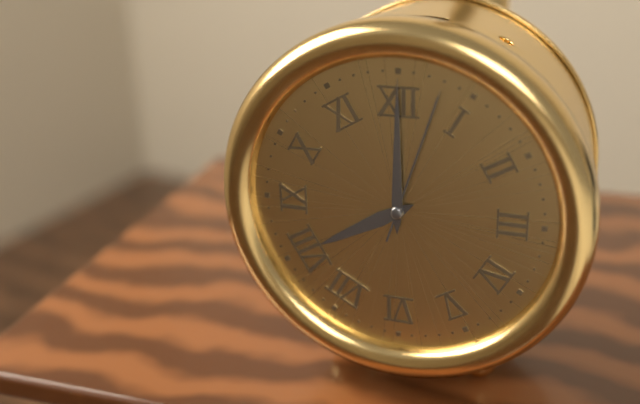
8:00:03
